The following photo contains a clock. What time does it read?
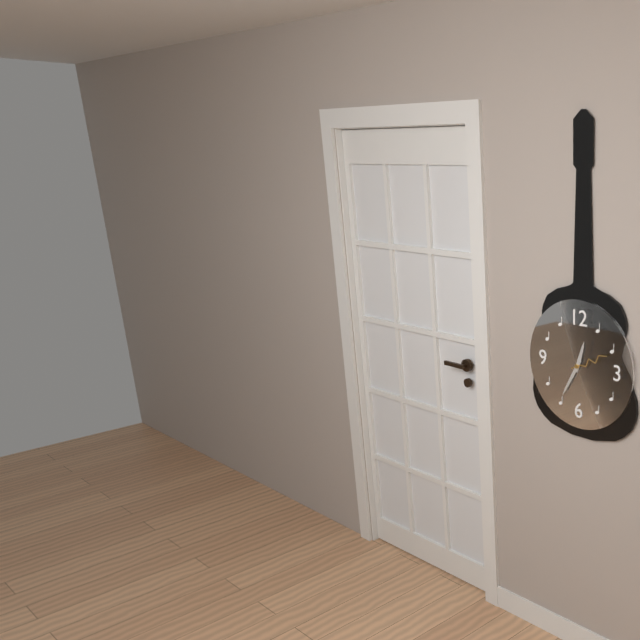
12:35
